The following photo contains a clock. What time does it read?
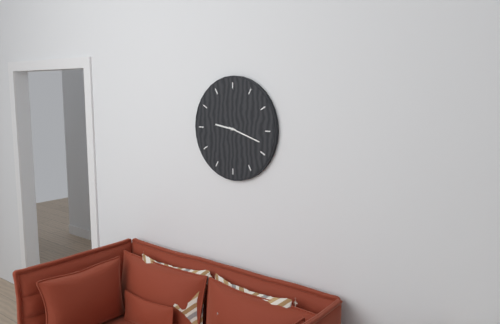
9:18
